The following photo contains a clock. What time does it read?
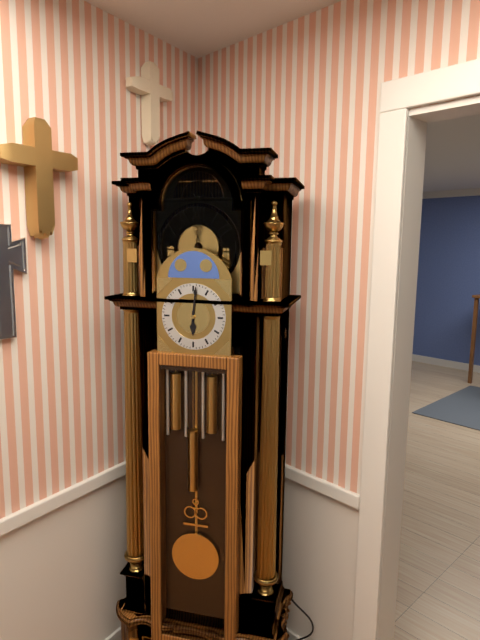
6:01
